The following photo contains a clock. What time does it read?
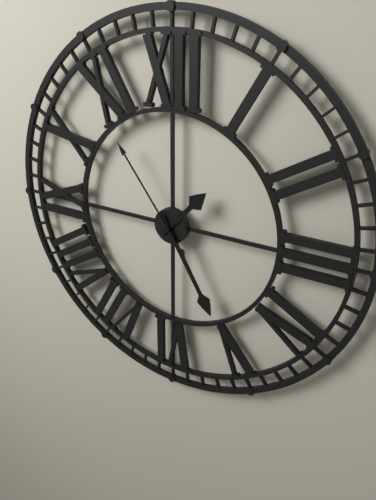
1:25:54
